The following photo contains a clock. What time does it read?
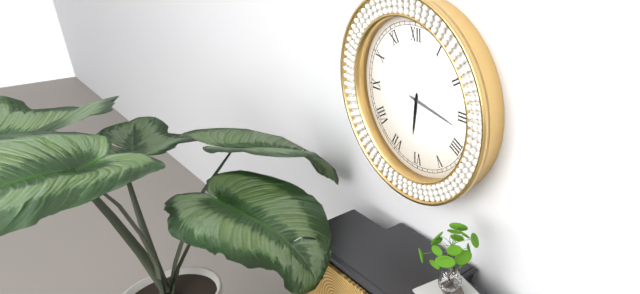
6:17
